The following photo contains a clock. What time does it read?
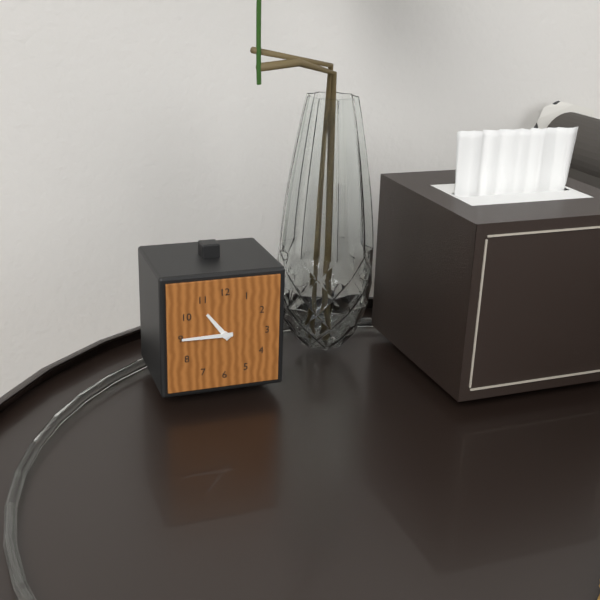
10:45
